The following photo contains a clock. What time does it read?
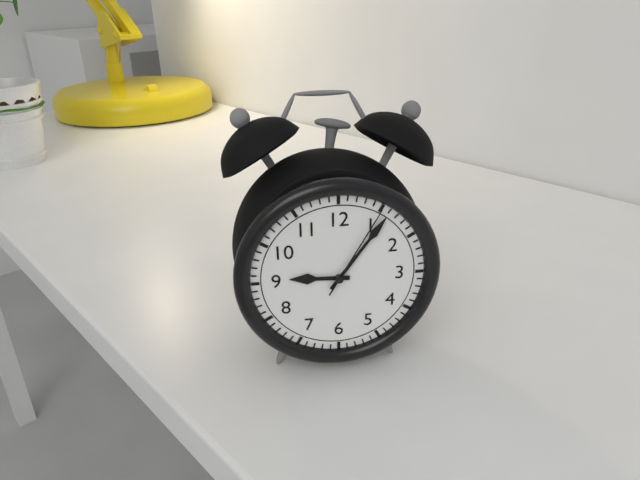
9:06:05
